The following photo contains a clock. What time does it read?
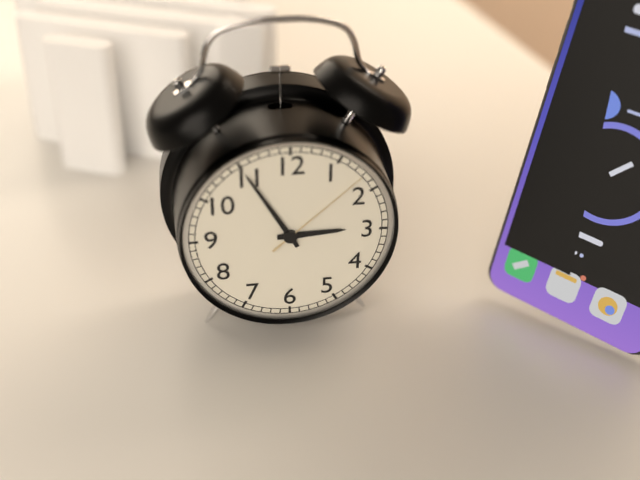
2:55:08
